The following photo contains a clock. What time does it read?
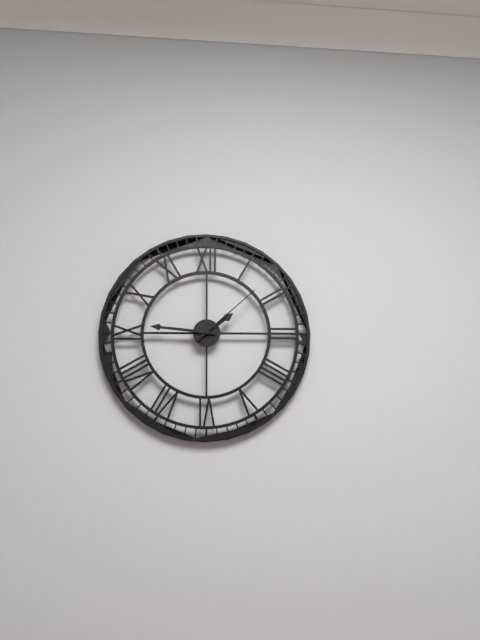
1:46:08
